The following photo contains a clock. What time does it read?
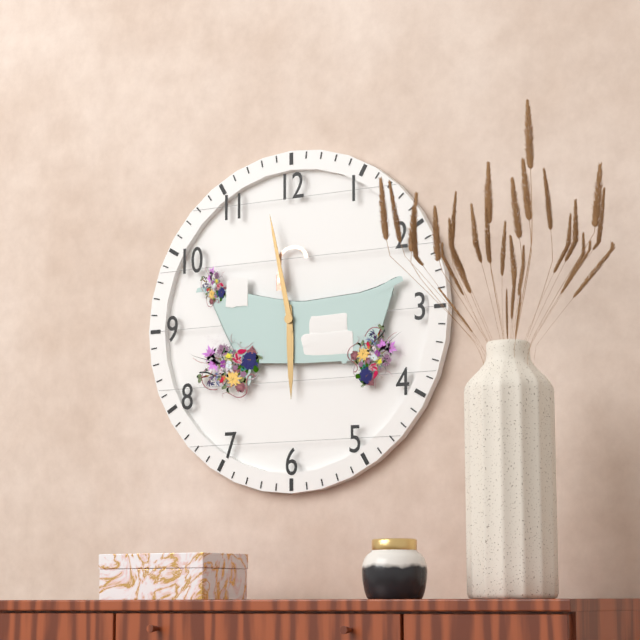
5:58
